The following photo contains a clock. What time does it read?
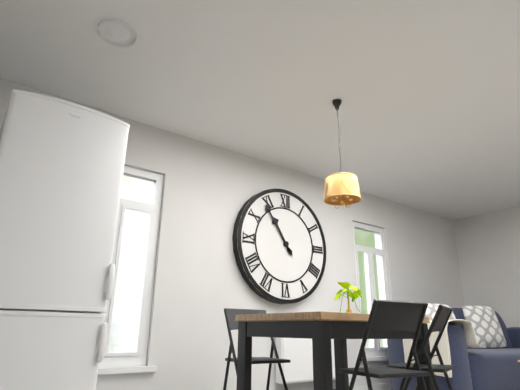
10:54
